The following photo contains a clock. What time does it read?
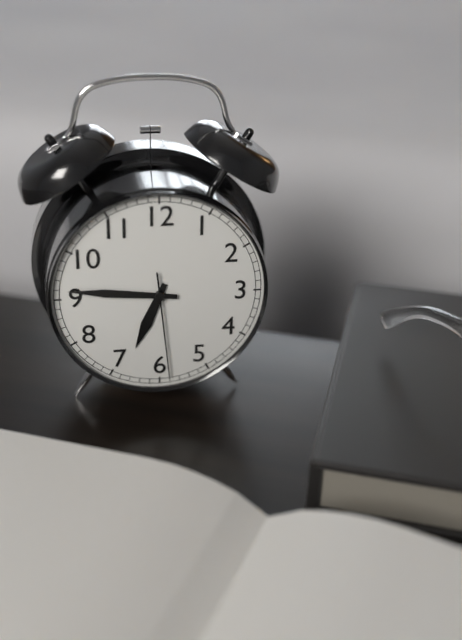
6:46:29
